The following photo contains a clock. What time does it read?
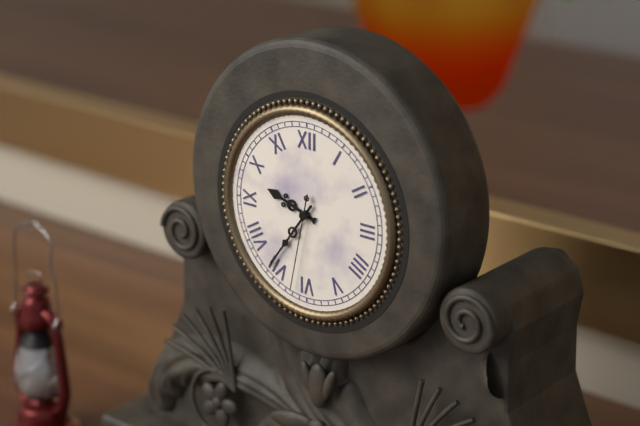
9:36:32
